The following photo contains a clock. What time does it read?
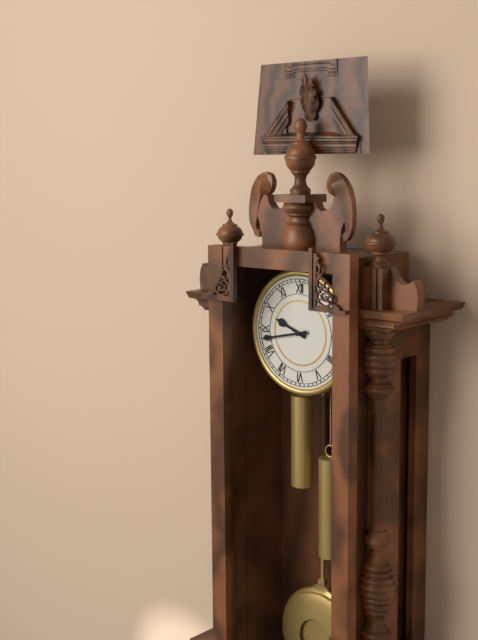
9:43
